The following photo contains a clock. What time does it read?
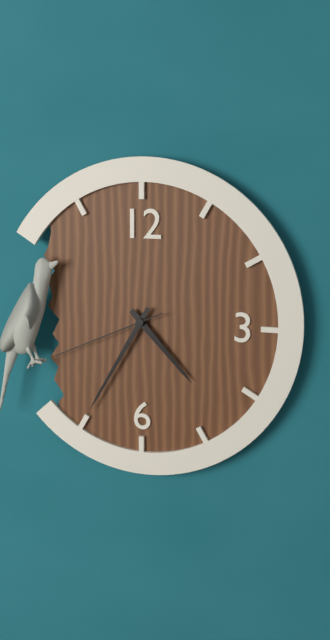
4:35:41
